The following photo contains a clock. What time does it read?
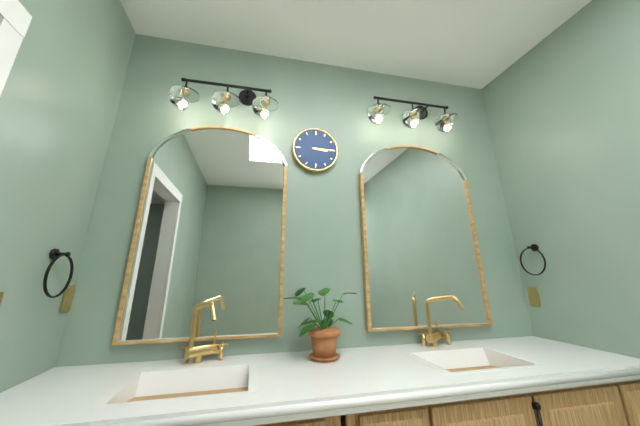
3:15
